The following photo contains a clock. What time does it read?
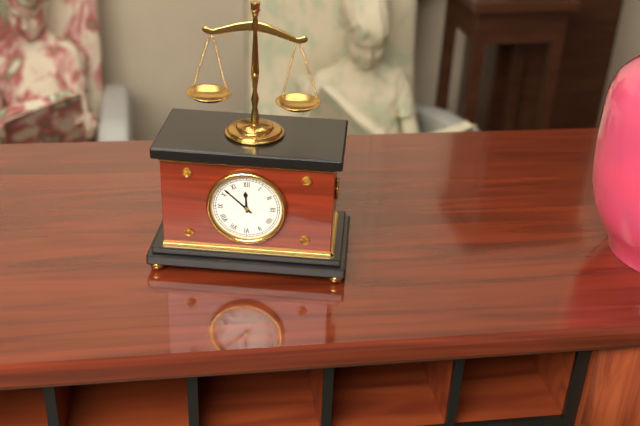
11:52
